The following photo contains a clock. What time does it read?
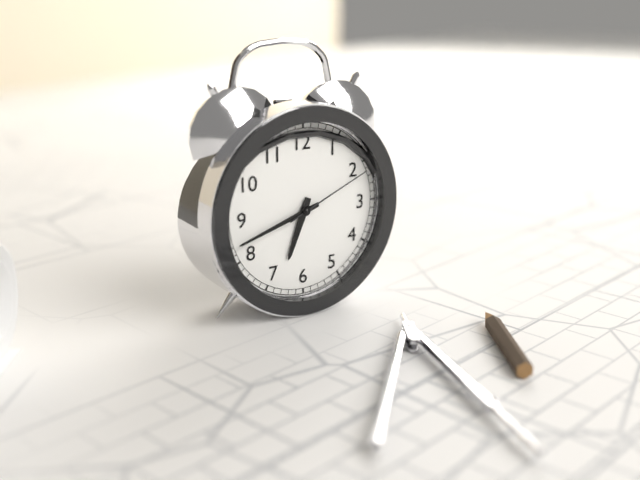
6:42:11
